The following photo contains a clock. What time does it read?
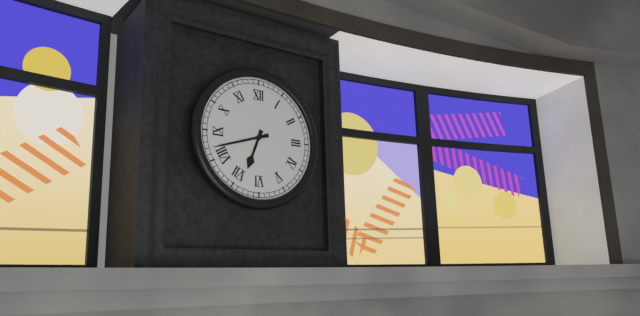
6:42
